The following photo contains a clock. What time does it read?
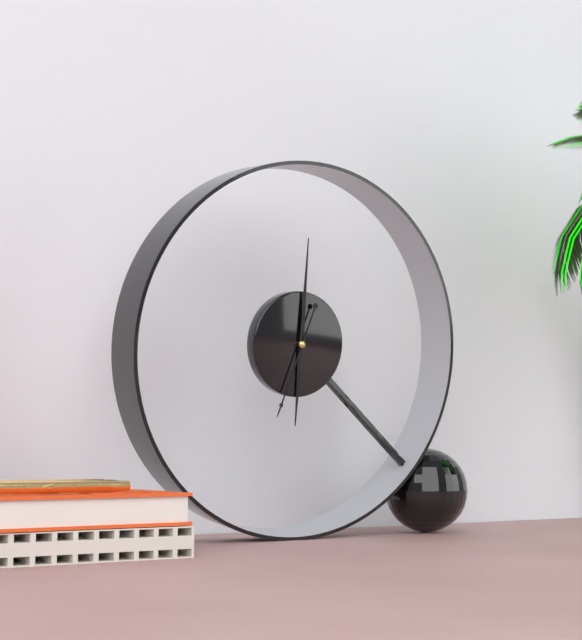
6:00:33
